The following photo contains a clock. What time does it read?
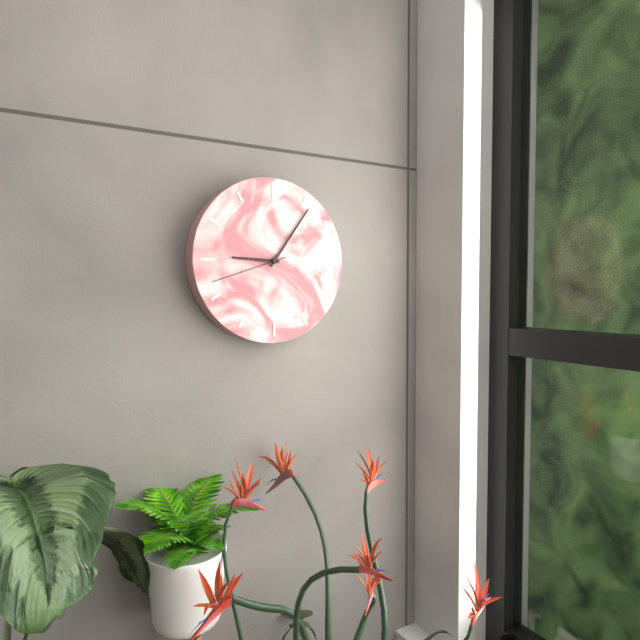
9:06:42
